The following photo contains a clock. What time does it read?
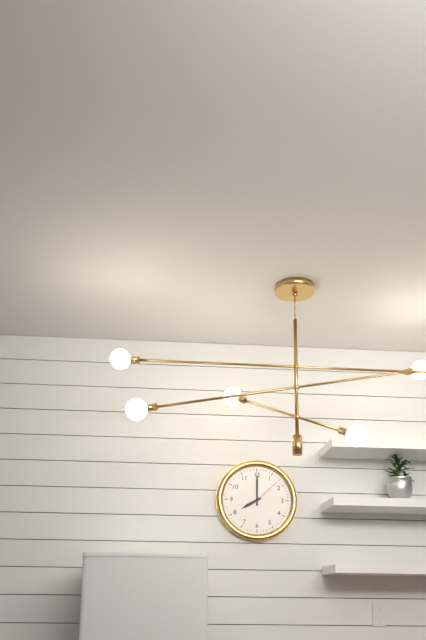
8:00
